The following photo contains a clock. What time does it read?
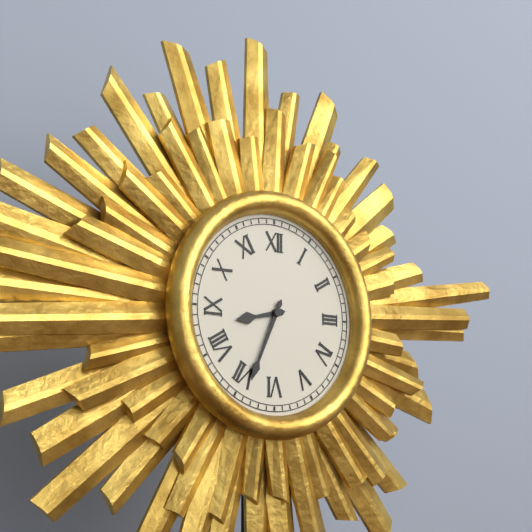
8:34
